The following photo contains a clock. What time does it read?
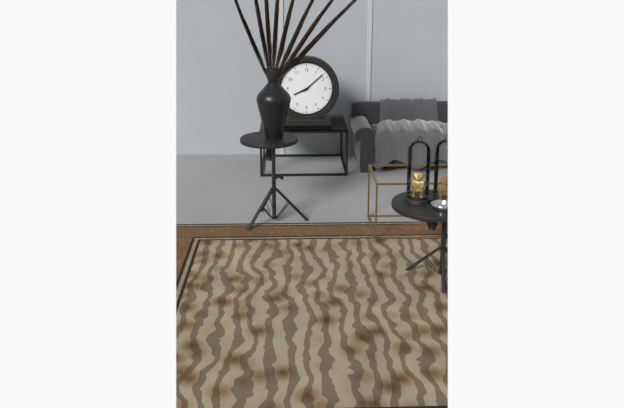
8:08
